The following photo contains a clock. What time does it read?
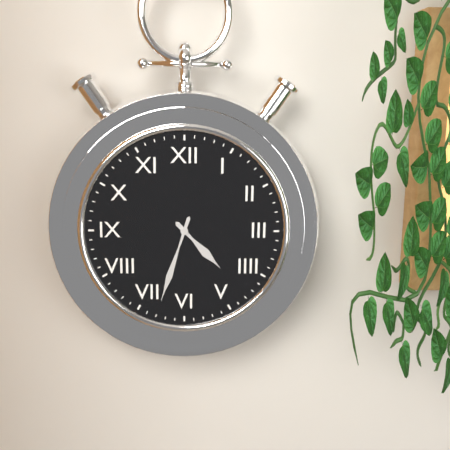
4:33
